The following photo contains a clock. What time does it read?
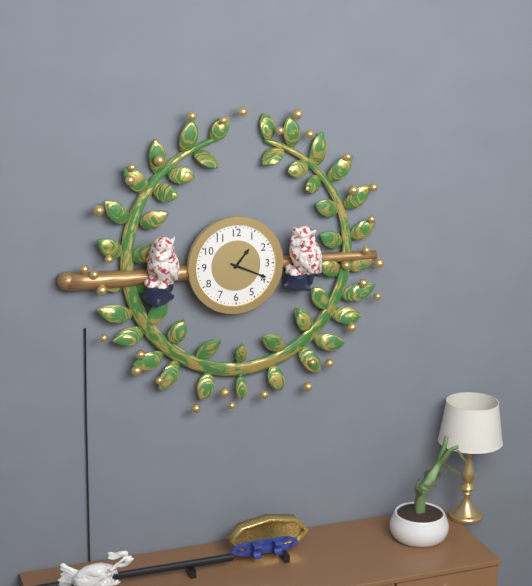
1:19
